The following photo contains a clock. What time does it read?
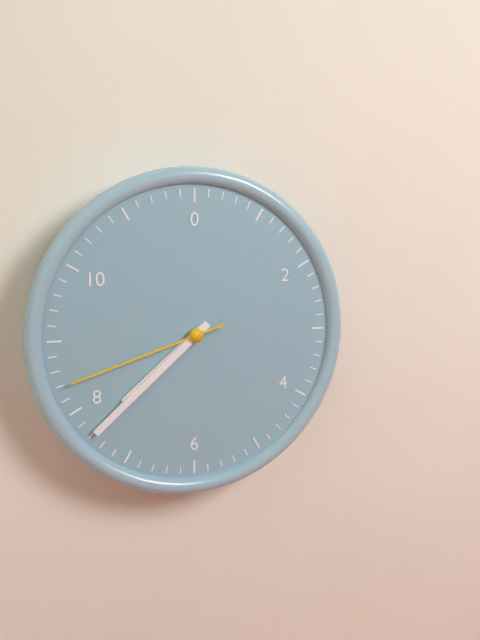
7:38:42
